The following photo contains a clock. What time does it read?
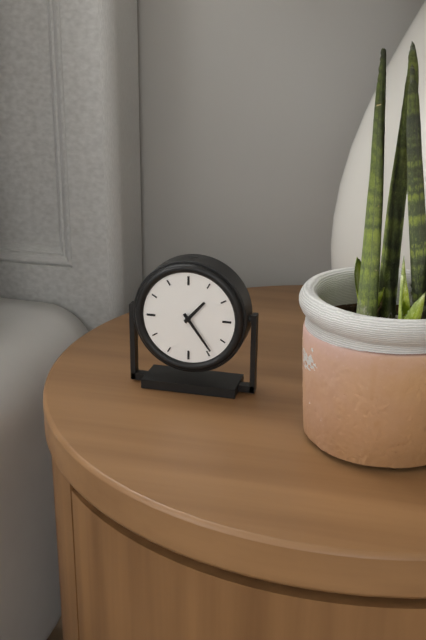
1:24
